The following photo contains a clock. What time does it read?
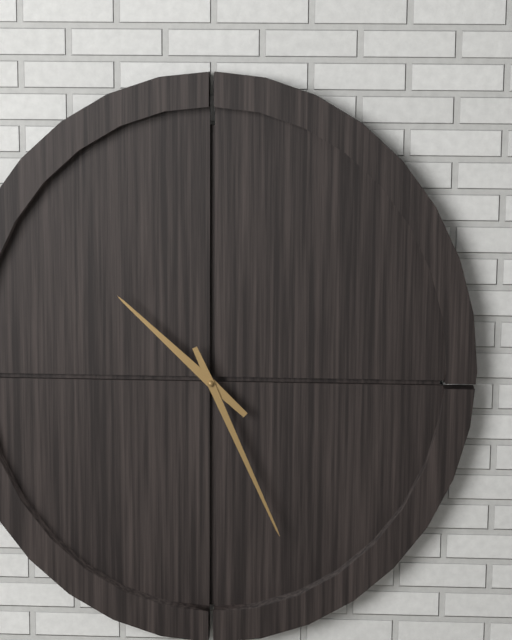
10:26
